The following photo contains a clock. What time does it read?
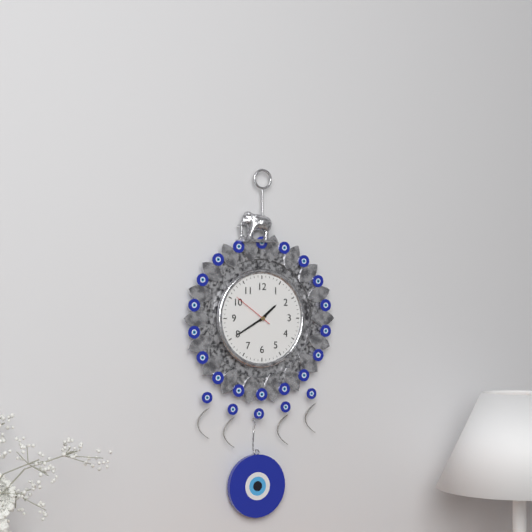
1:40
